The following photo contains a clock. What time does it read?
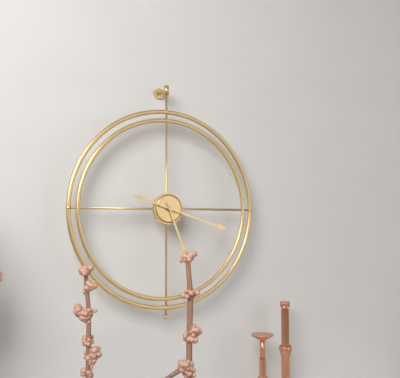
5:18
